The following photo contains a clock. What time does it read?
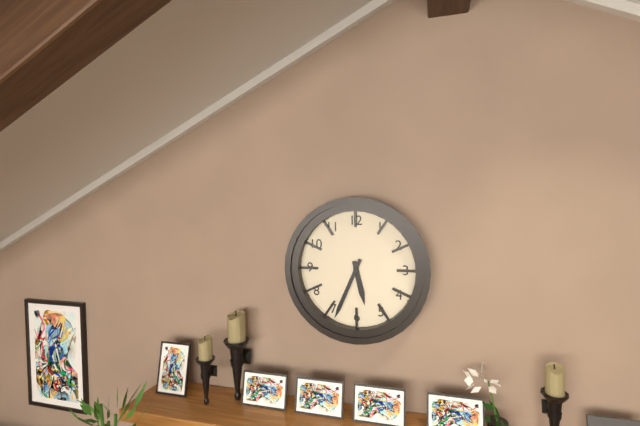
5:34
